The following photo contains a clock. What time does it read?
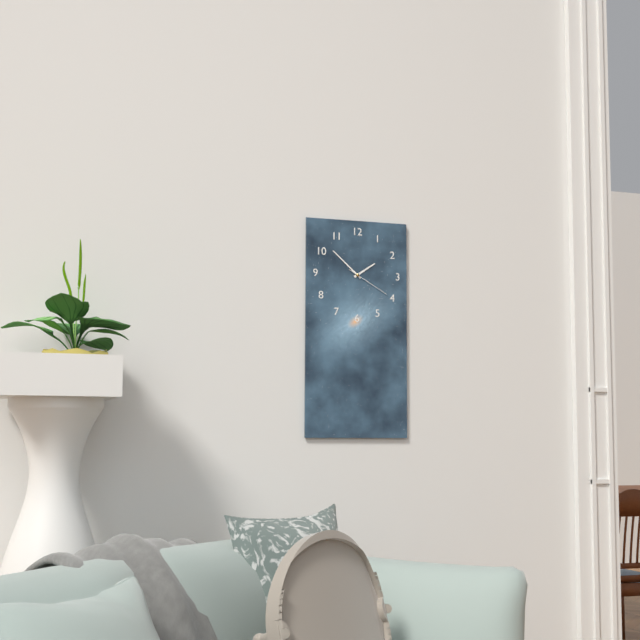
1:52
